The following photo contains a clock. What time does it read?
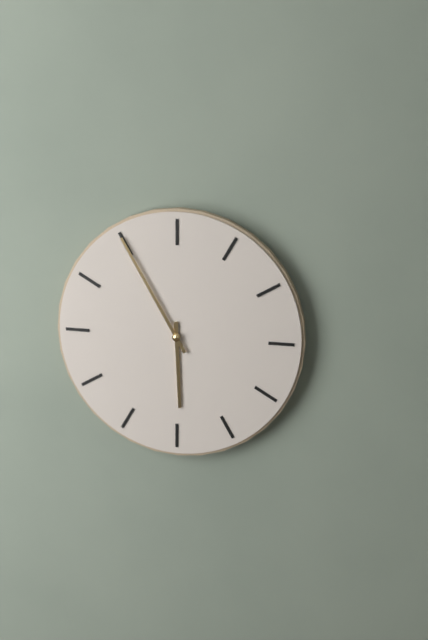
5:55
